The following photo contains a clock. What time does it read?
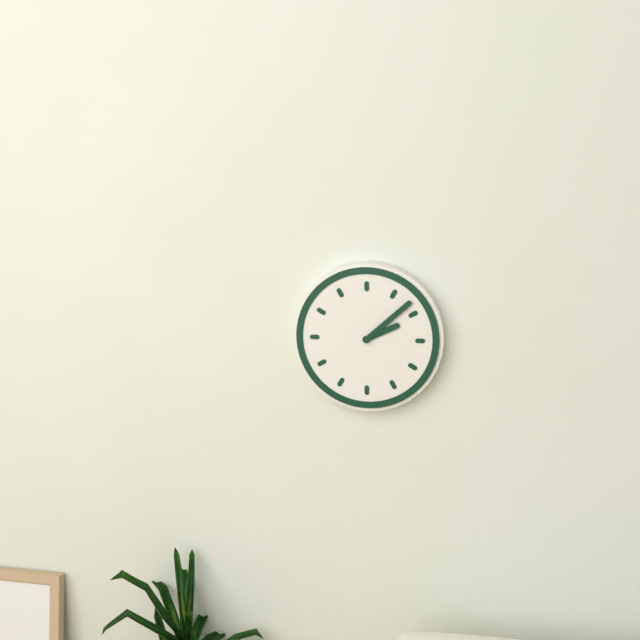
2:08
